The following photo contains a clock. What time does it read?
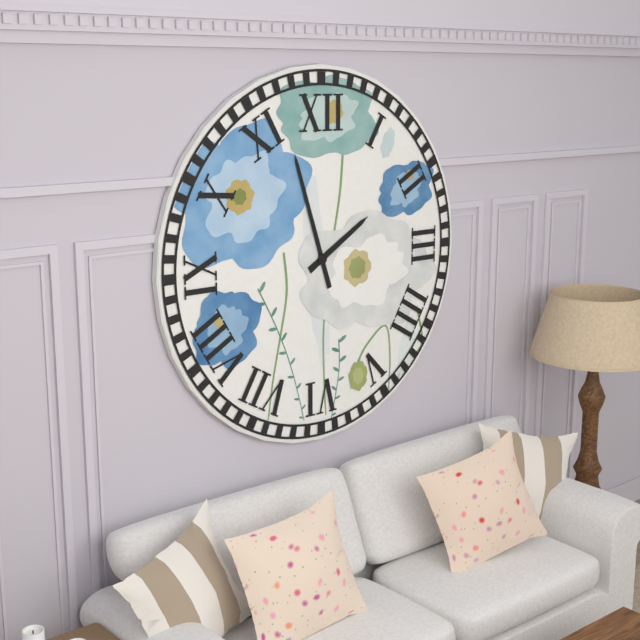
1:57
